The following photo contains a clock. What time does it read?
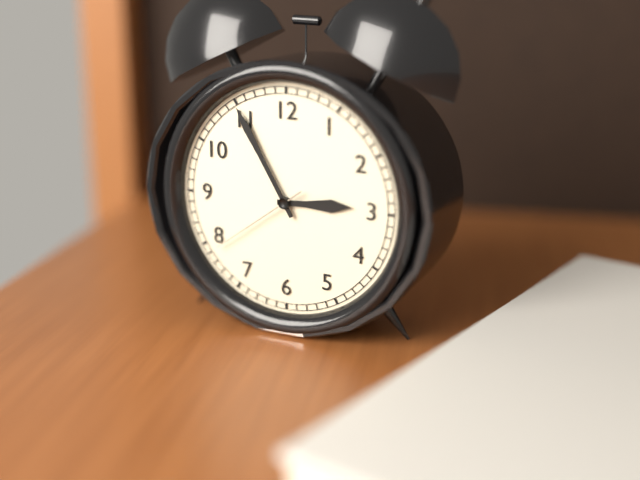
2:55:39
